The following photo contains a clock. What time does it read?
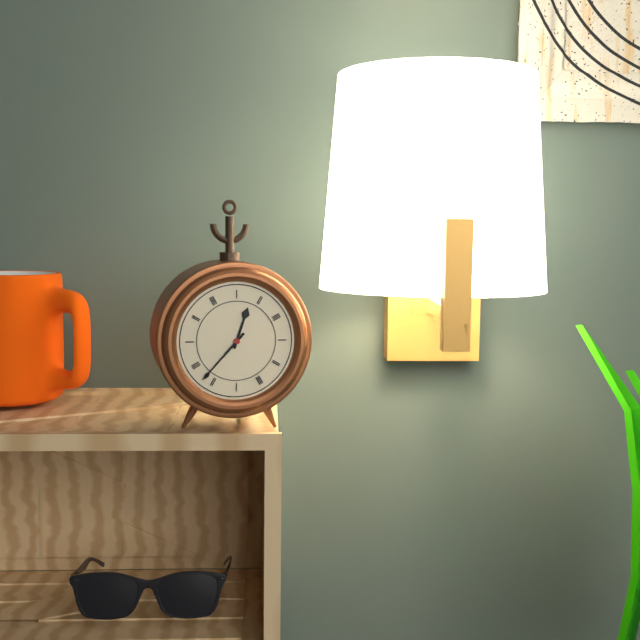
12:37
